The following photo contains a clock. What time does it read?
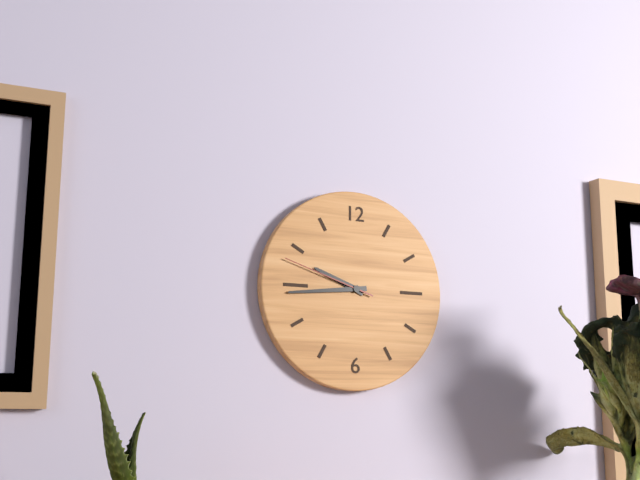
9:44:48
